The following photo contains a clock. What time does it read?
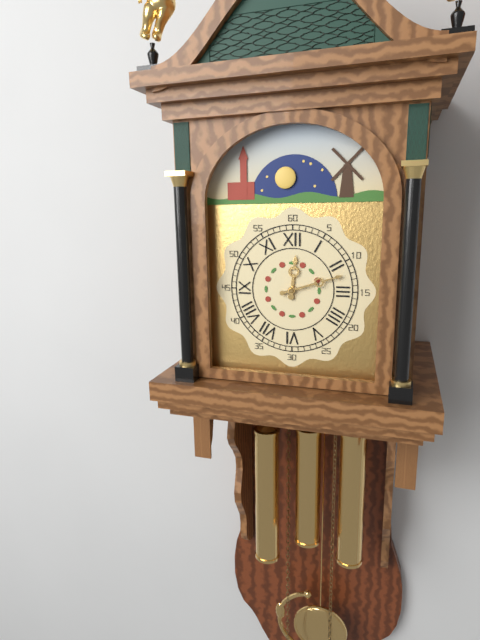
12:12
